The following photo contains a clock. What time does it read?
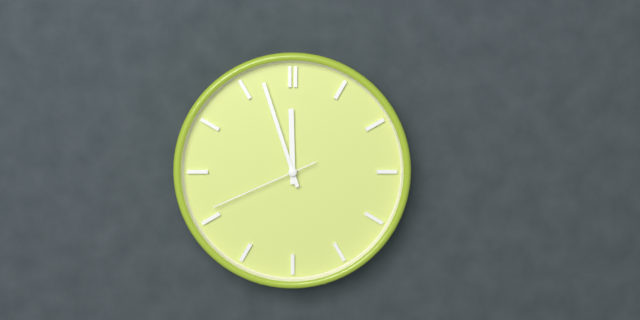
11:57:41
